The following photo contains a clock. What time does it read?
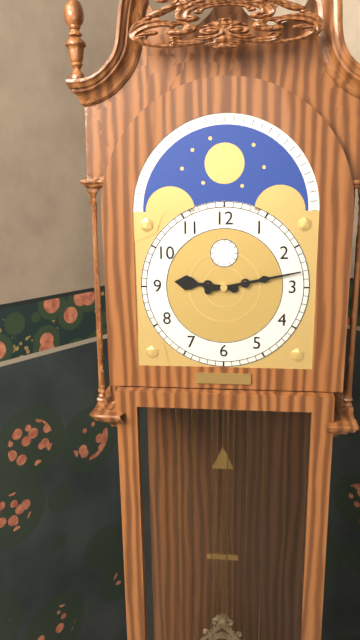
9:13
